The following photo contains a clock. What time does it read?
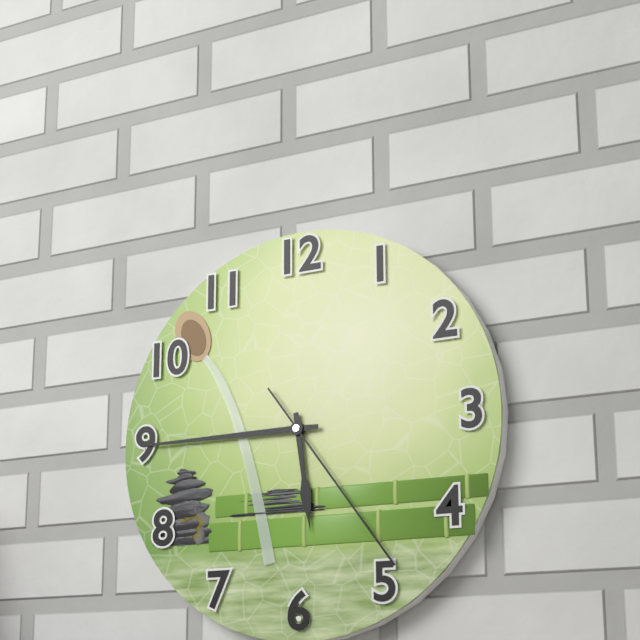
5:45:24
